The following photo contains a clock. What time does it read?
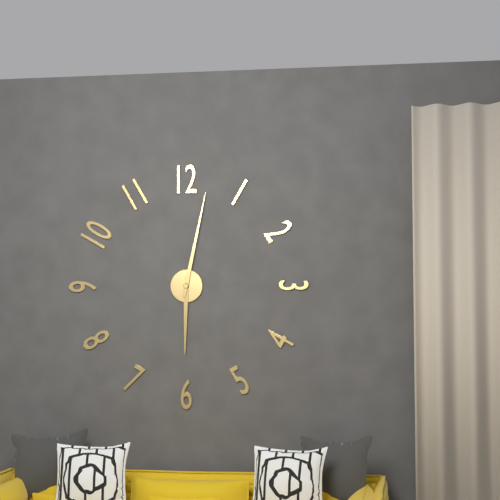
6:02
